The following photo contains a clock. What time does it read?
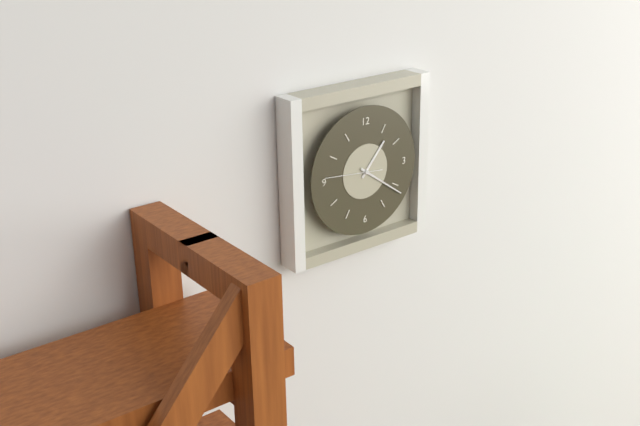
1:21
